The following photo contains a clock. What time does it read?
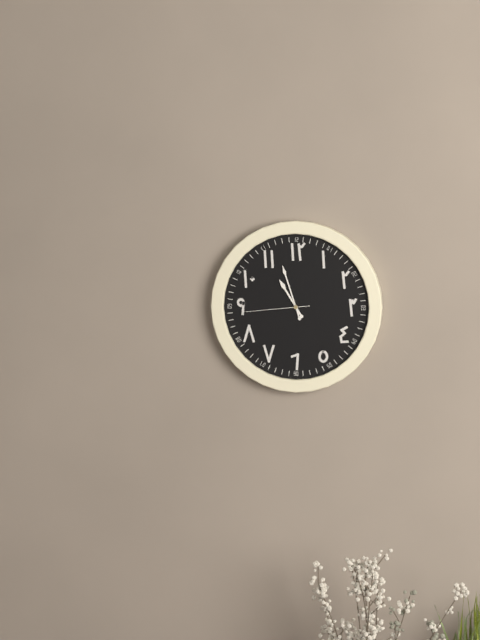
10:57:44
